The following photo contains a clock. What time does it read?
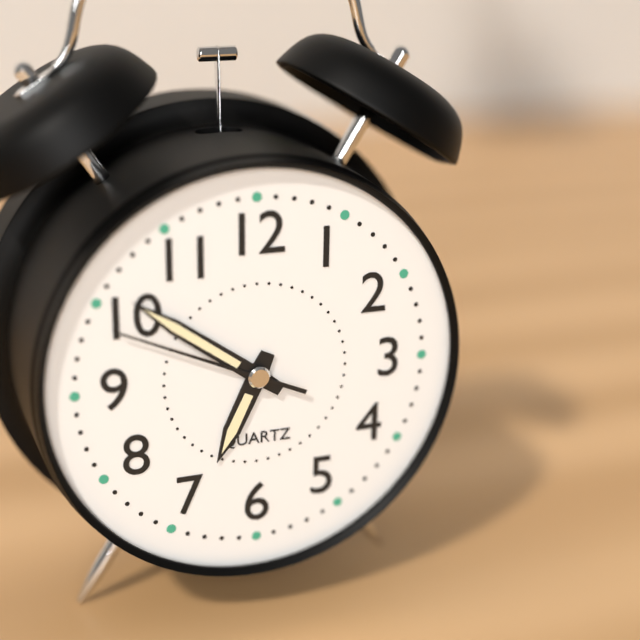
6:51:49
